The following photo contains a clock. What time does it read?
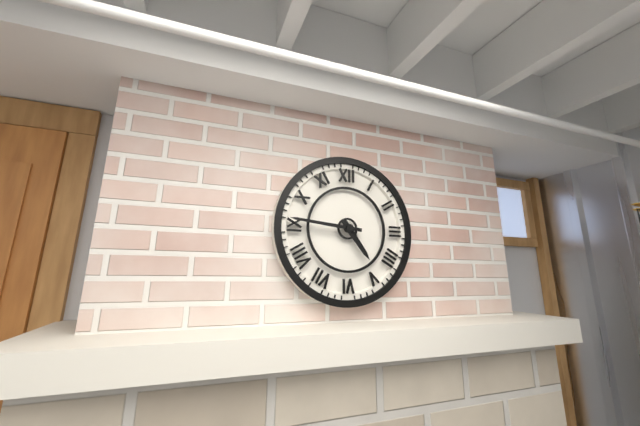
4:46
